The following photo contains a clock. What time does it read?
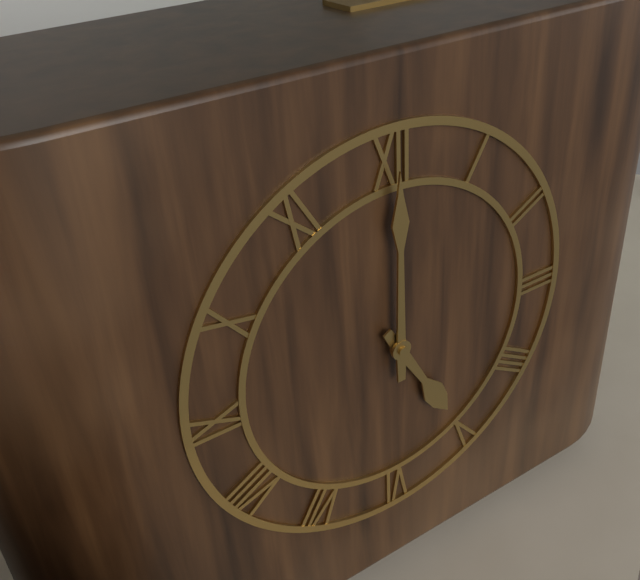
5:00
